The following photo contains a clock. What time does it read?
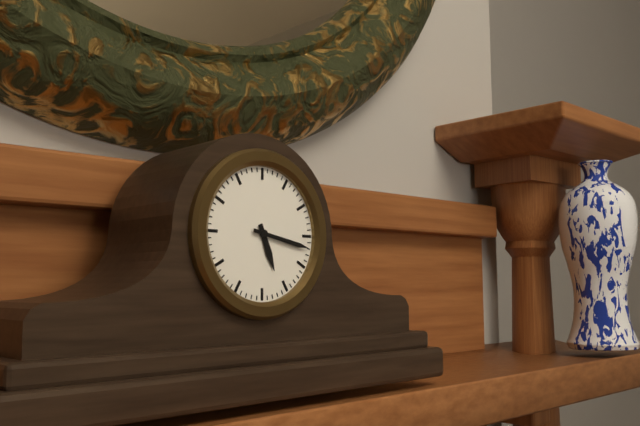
5:17
